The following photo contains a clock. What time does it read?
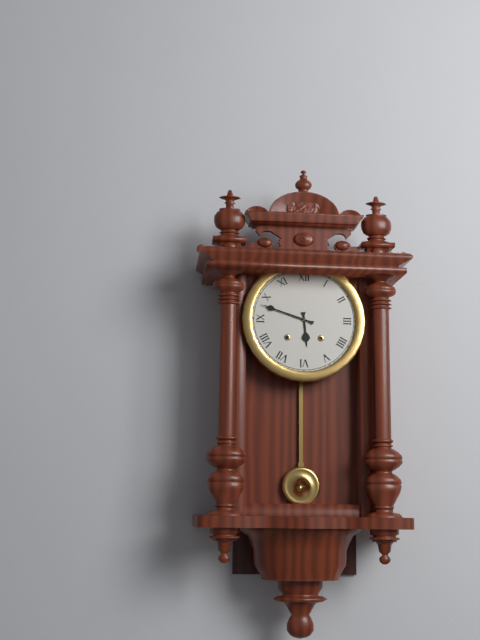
5:48
